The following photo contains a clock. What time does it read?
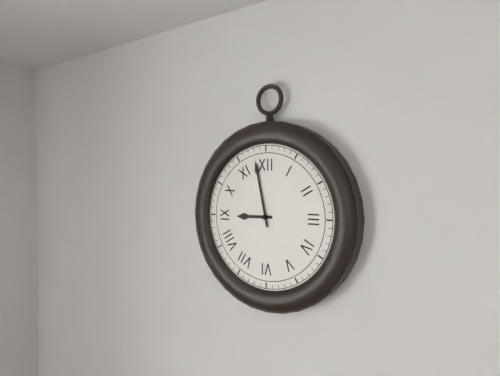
8:58
